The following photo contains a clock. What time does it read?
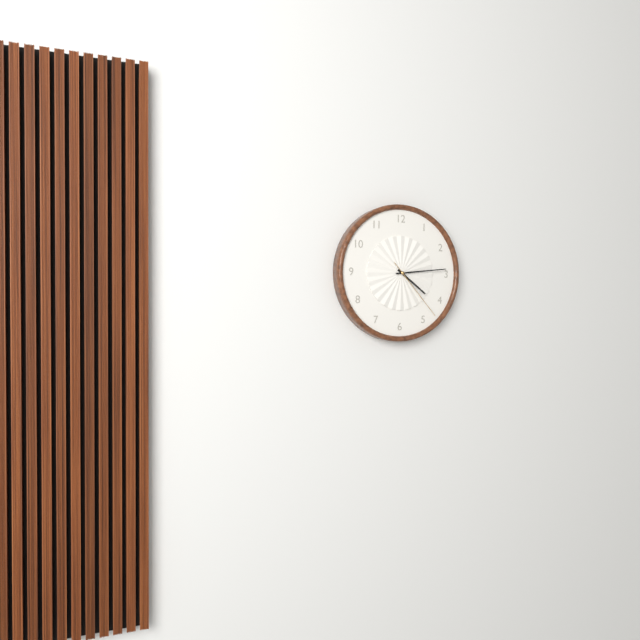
4:14:23
